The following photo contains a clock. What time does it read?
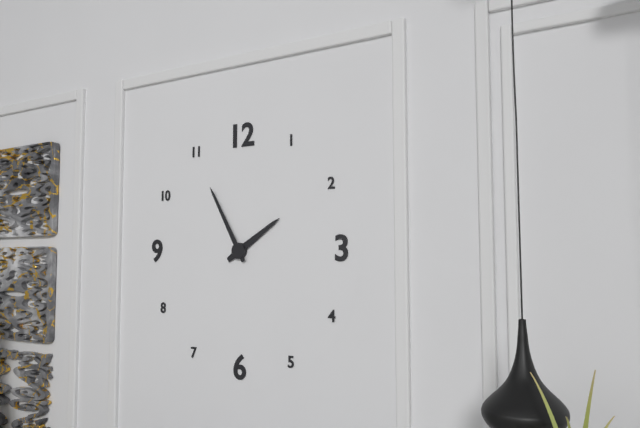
1:55
